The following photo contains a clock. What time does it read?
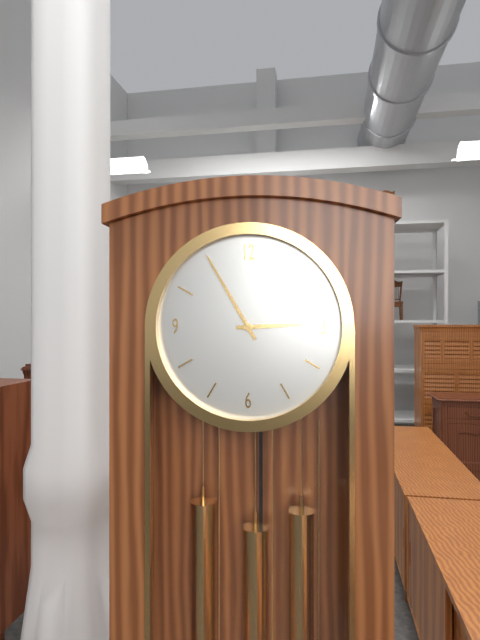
2:55
